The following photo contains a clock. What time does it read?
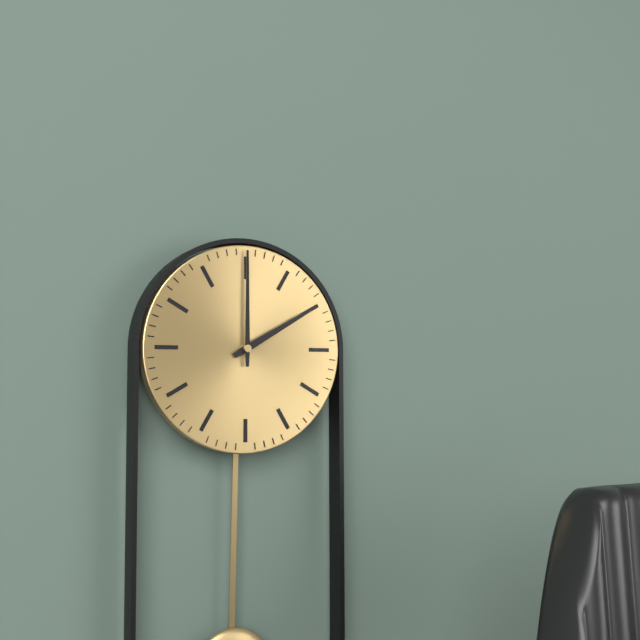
2:00
